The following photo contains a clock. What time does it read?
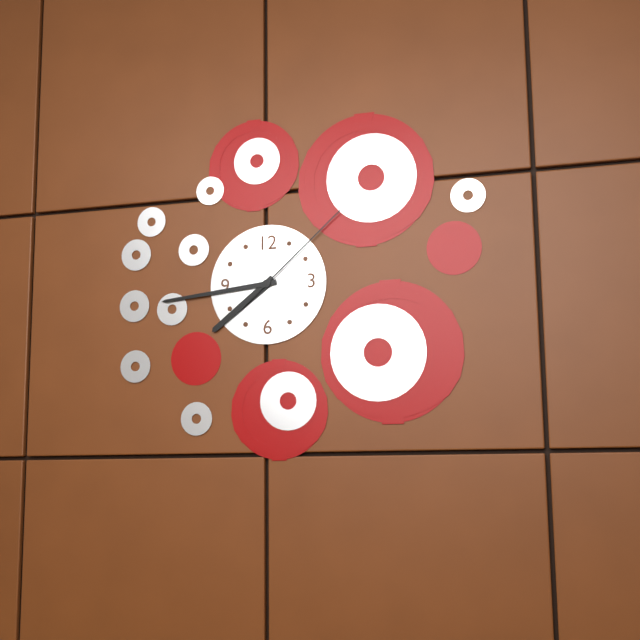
7:44:08
